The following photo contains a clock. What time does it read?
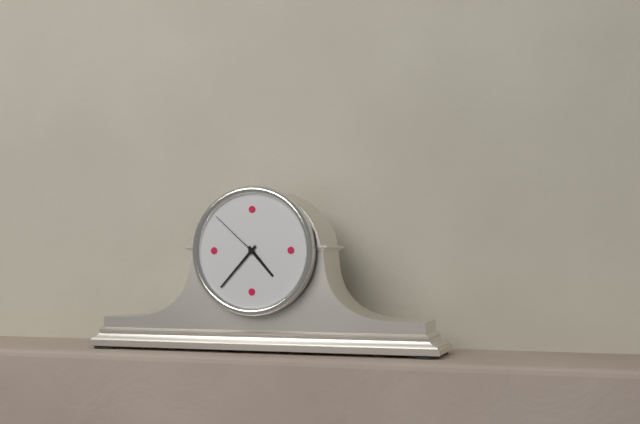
4:37:52
